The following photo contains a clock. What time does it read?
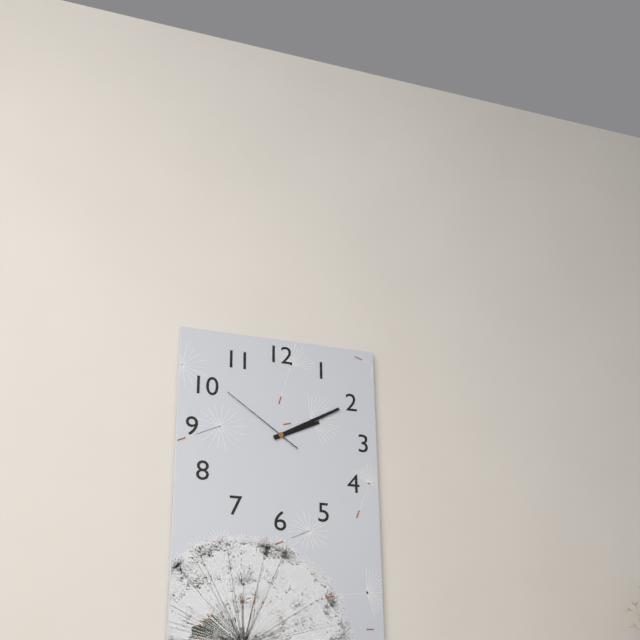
2:10:51
